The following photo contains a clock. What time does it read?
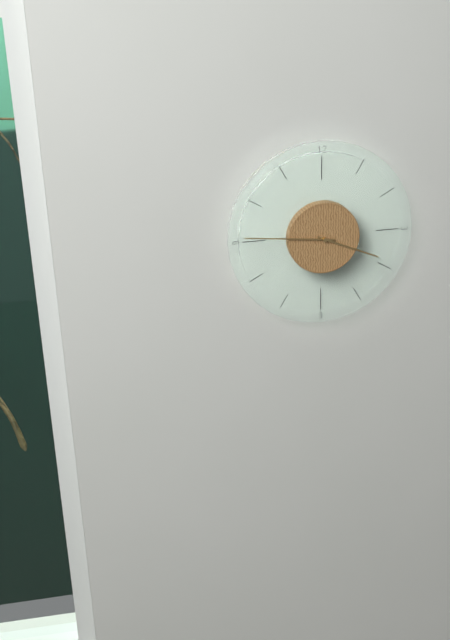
3:46
